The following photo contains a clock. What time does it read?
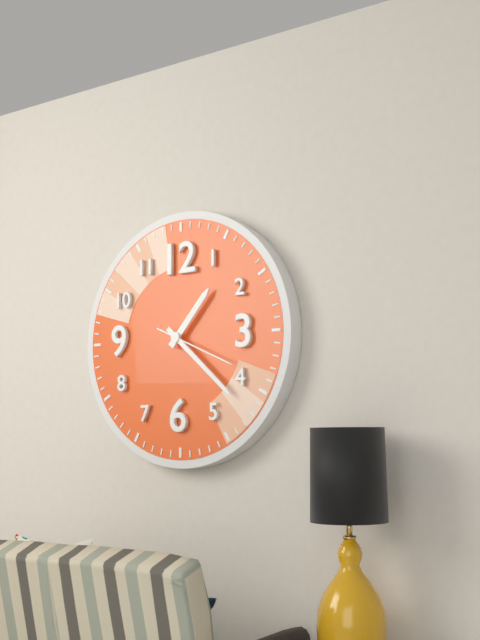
1:22:19
